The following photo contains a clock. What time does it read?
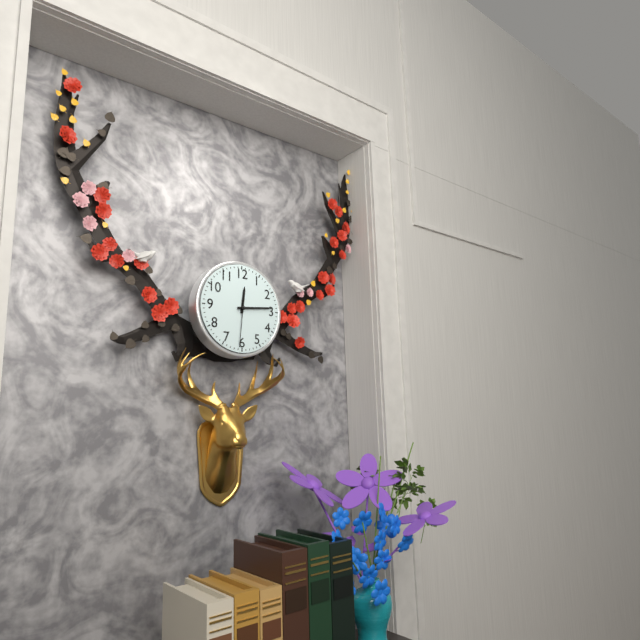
12:14
